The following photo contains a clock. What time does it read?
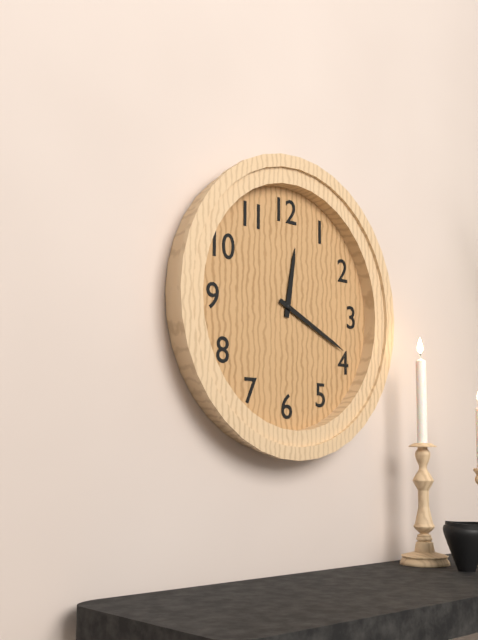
12:19
